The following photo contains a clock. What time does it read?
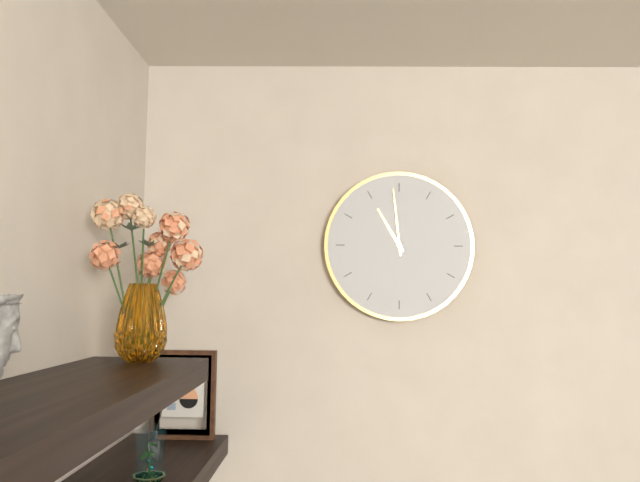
10:59
